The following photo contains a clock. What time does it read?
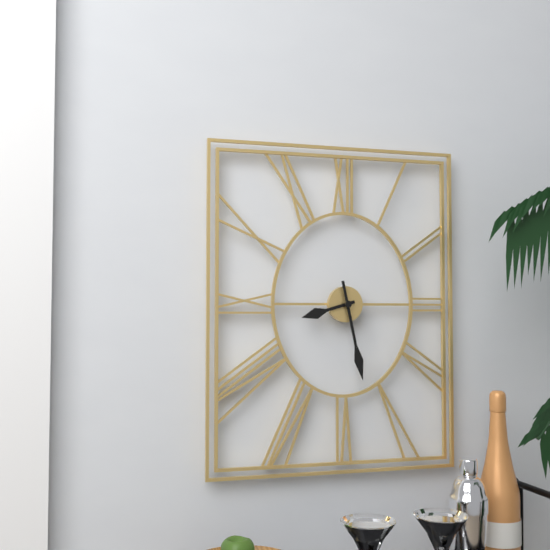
8:28
